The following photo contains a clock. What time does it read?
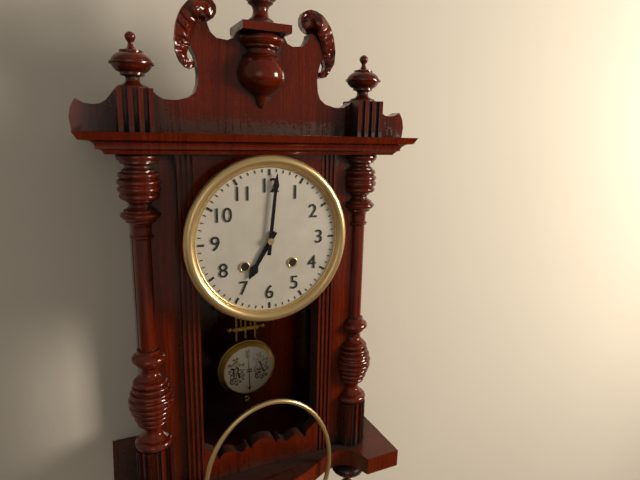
7:01
